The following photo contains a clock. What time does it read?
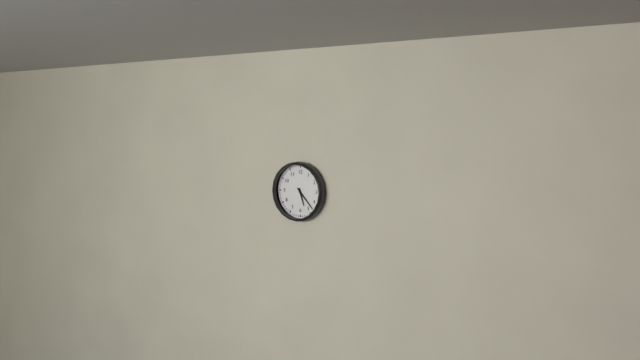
5:23
